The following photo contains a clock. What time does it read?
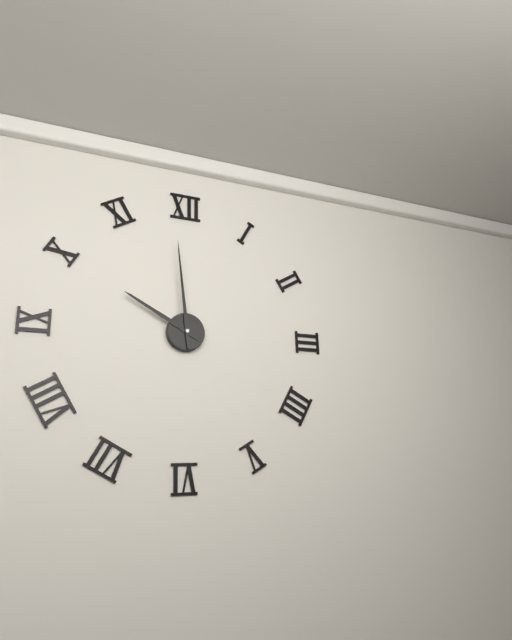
9:59
